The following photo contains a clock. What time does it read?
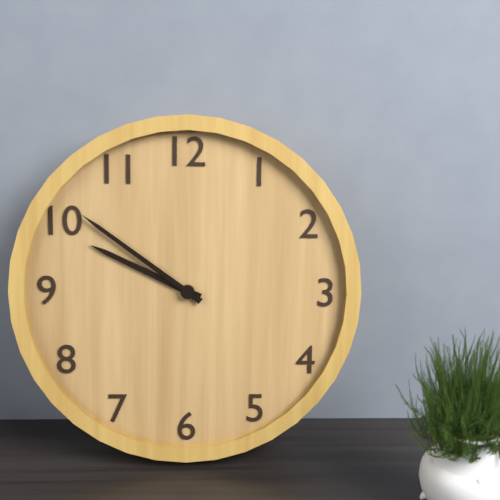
9:51
